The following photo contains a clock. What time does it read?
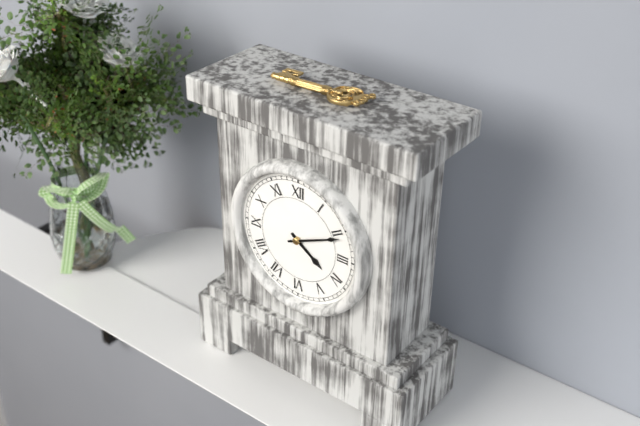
4:11
